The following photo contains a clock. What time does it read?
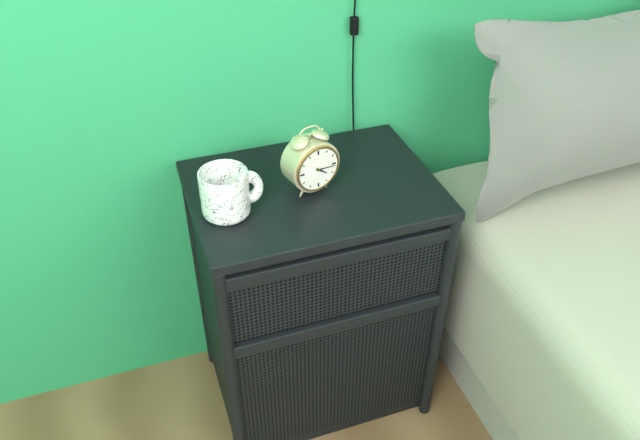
4:16
